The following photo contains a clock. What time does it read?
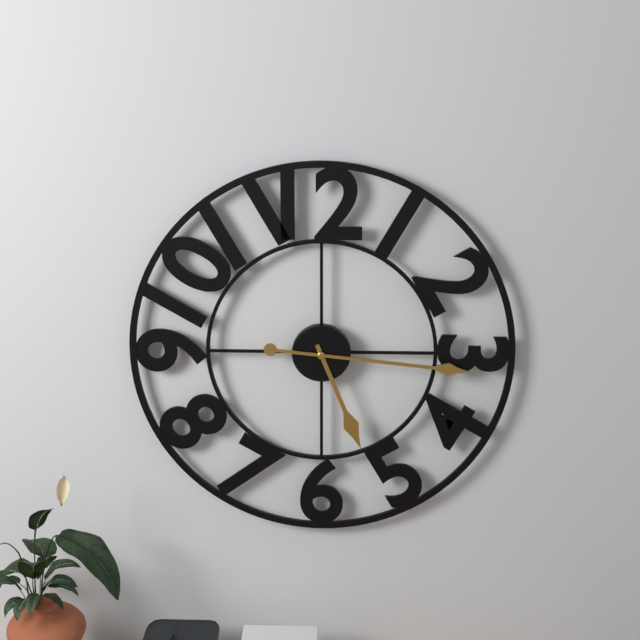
5:16
